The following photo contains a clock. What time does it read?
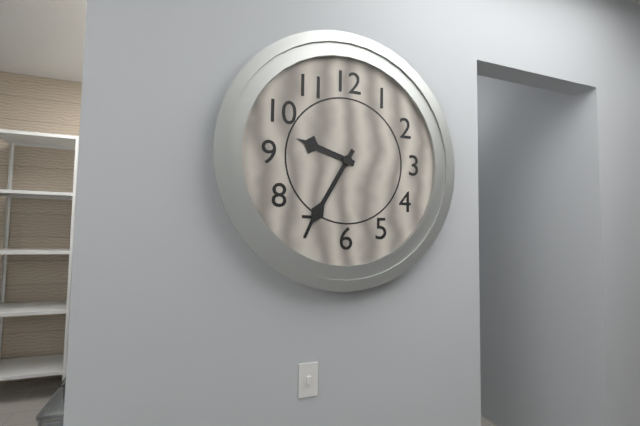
9:35
